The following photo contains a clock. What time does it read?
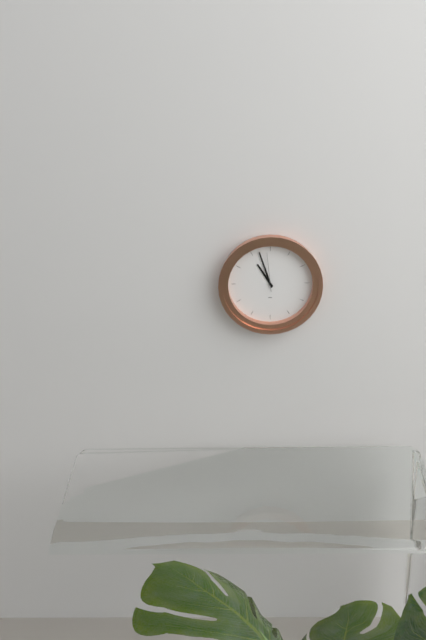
10:57
